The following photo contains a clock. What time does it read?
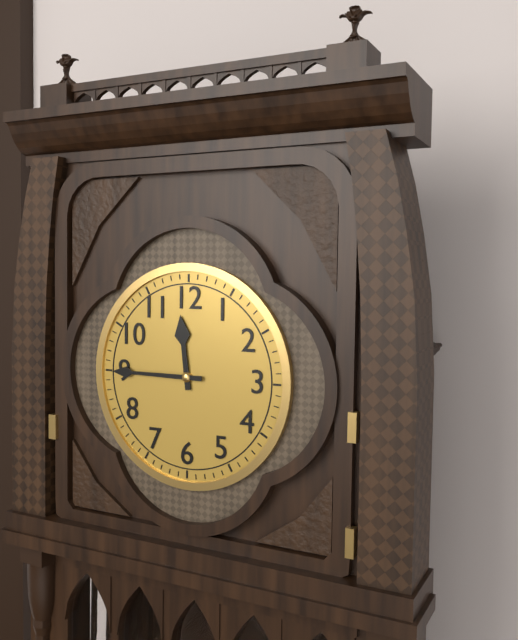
11:45
